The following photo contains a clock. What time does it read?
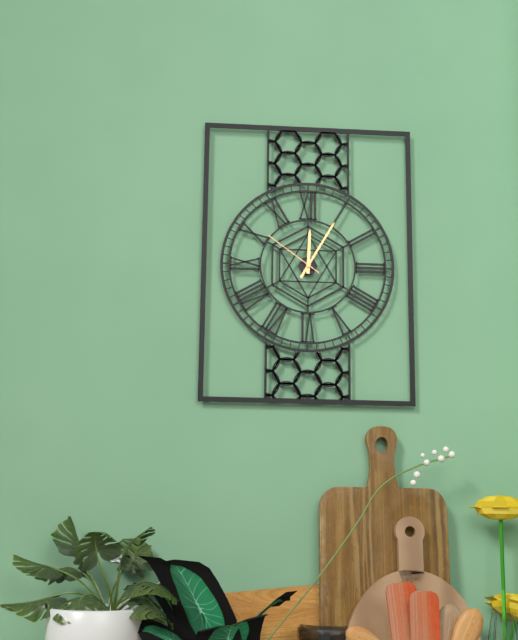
12:05:51
